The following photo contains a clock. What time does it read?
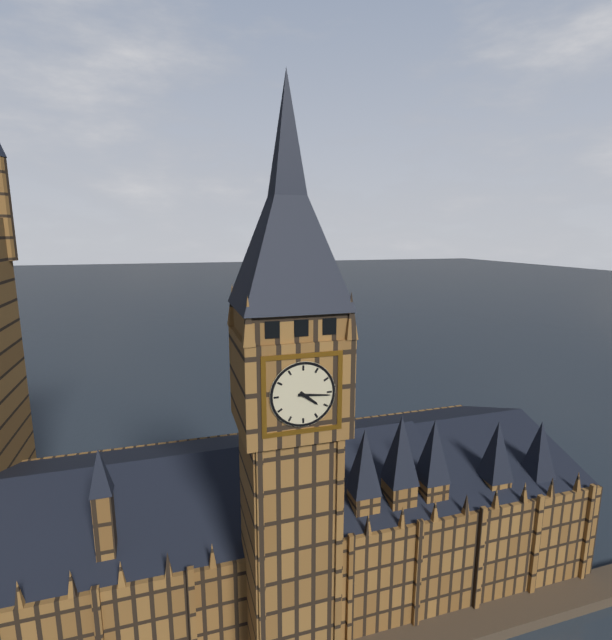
4:16
